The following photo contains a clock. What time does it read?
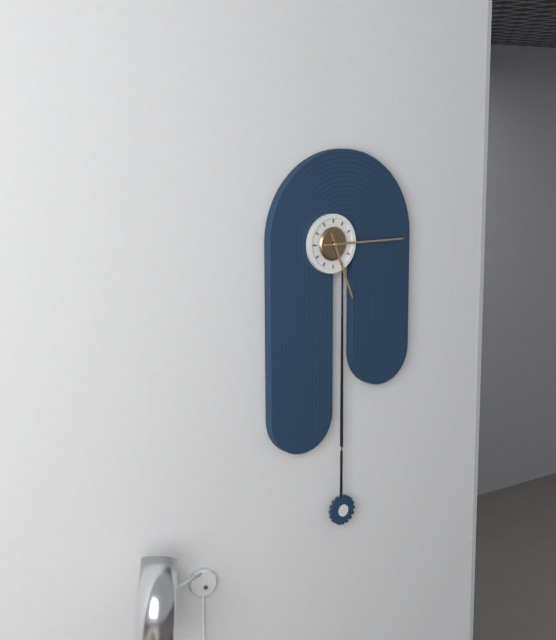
5:15
